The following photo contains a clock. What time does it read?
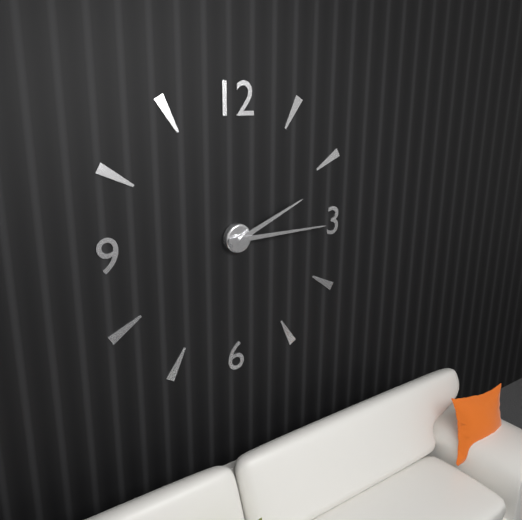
2:15
